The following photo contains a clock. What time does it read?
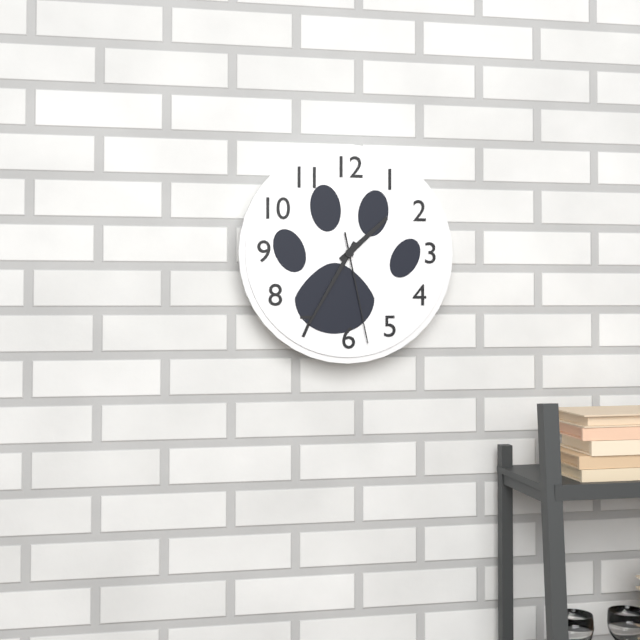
1:35:28
